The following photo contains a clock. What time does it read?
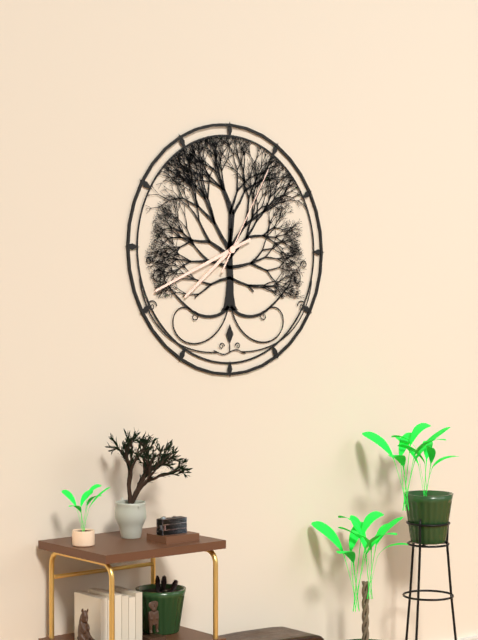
7:41:05
